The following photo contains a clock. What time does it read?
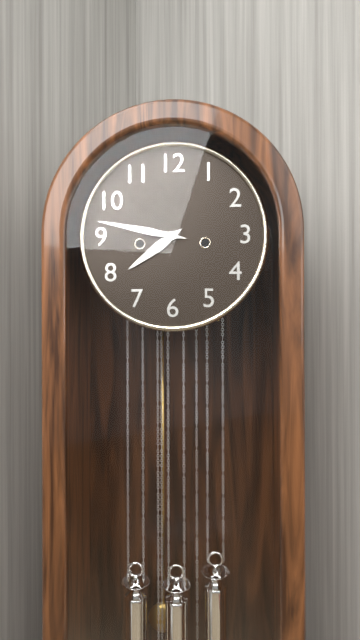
7:47
